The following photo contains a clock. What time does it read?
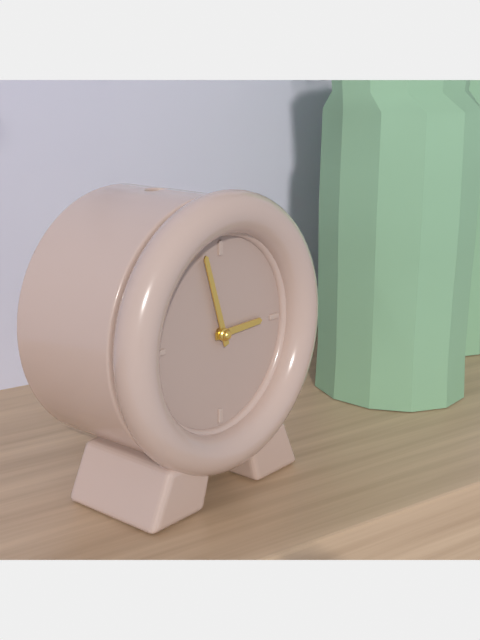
2:57
